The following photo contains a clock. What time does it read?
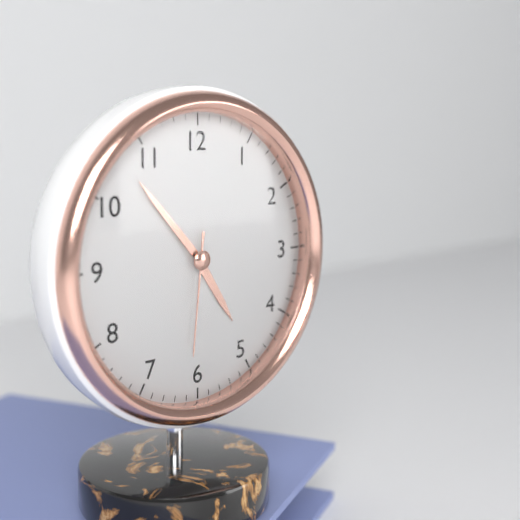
4:53:31
